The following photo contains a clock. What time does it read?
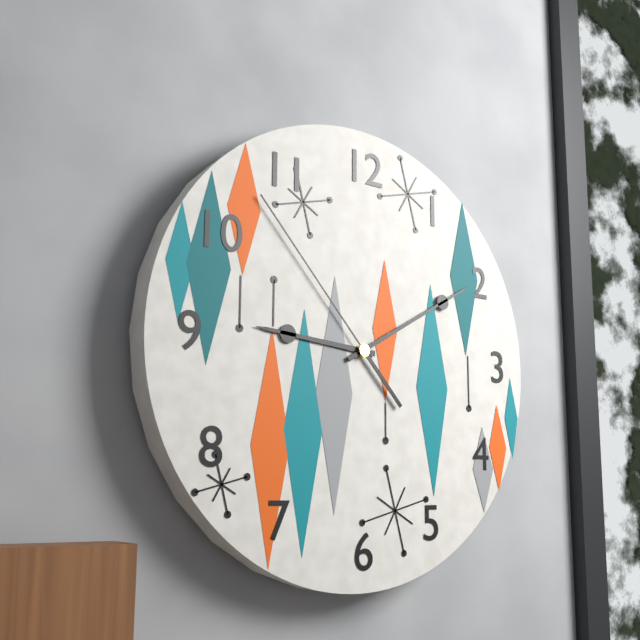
9:10:53
